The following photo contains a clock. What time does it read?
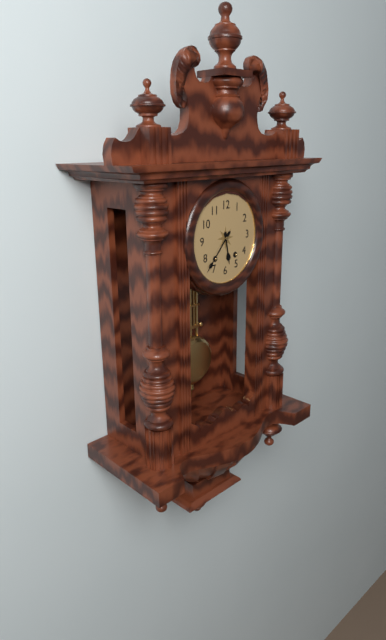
5:37
